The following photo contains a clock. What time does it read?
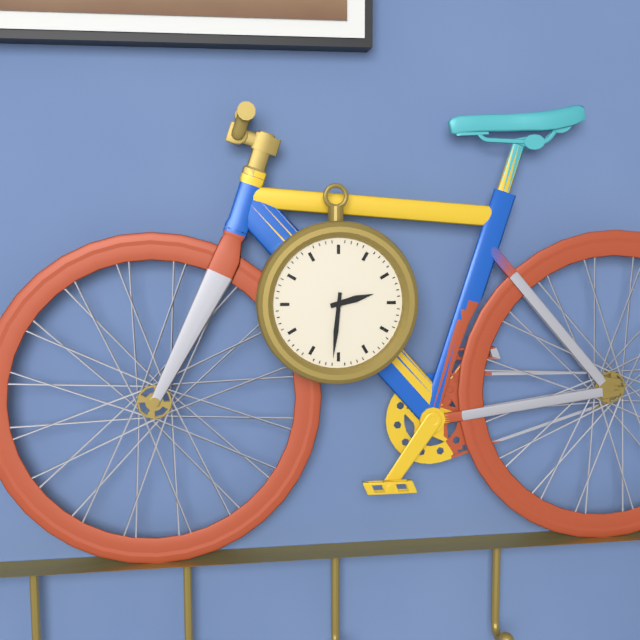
2:31
